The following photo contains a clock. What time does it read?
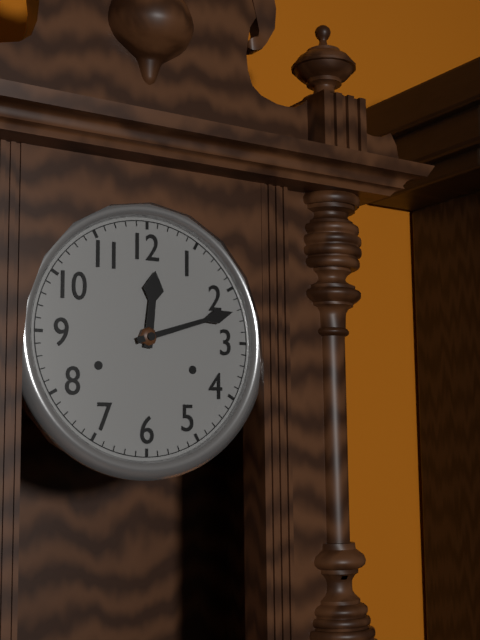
12:12
